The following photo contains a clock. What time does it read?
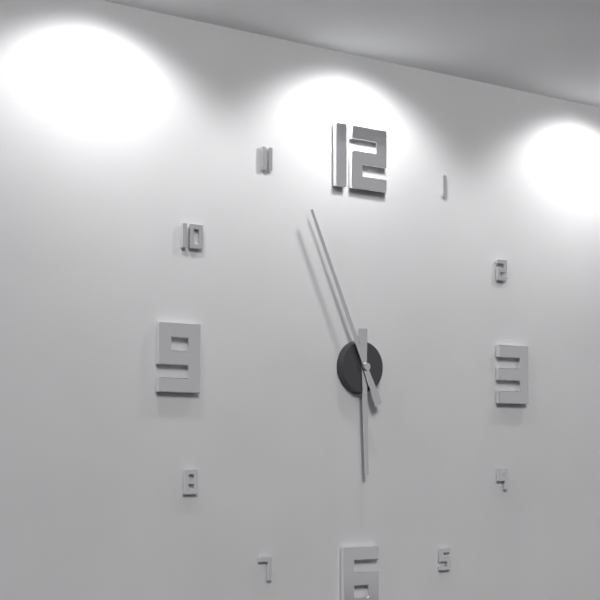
5:56
